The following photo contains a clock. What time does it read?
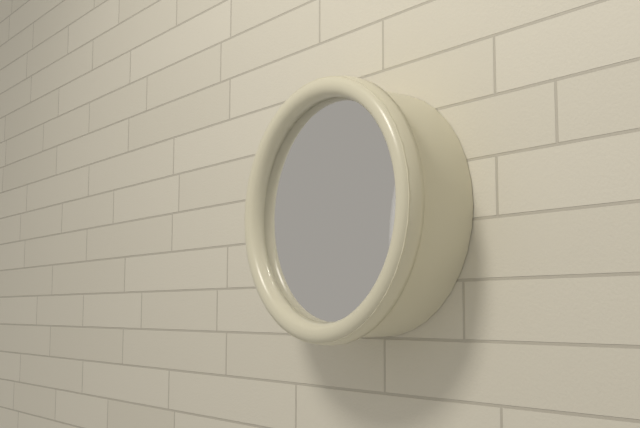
6:40
